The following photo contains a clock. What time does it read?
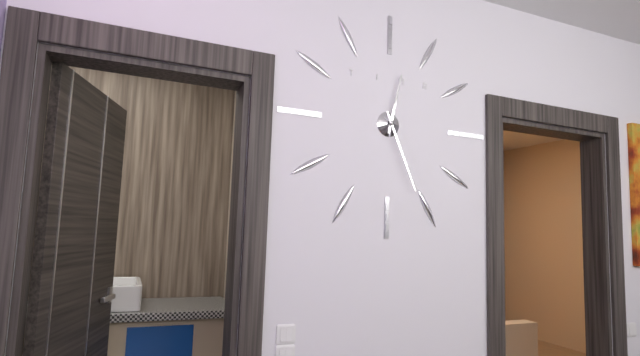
12:26
